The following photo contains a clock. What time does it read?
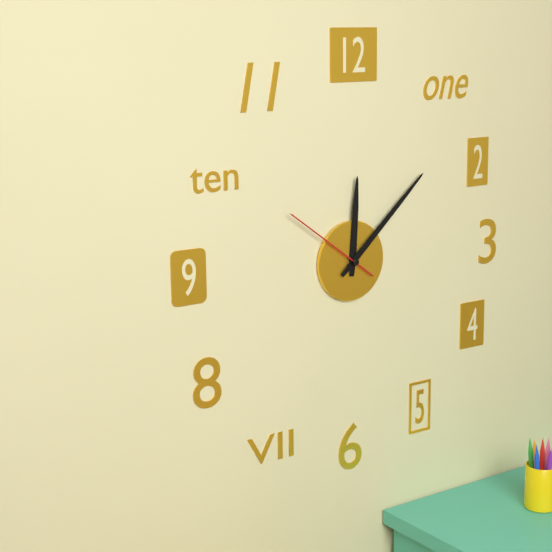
12:08:51
